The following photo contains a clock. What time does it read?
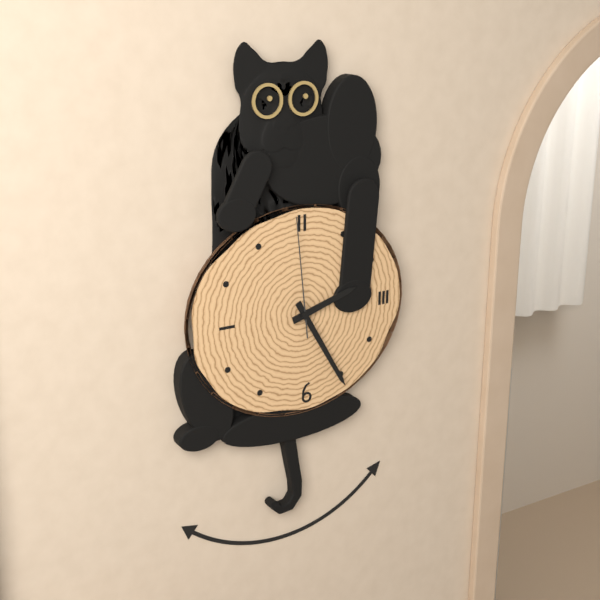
2:25:59
